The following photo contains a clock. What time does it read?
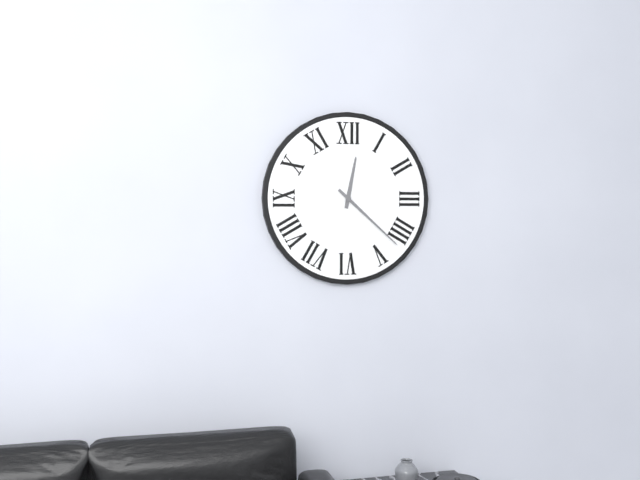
12:22
